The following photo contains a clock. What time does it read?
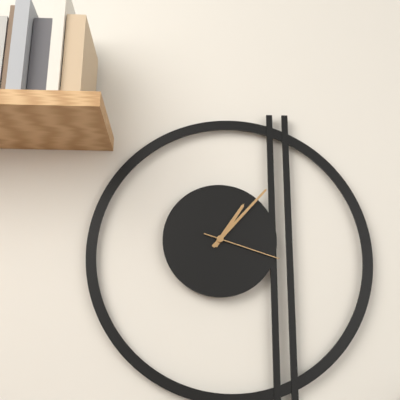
1:07:18
